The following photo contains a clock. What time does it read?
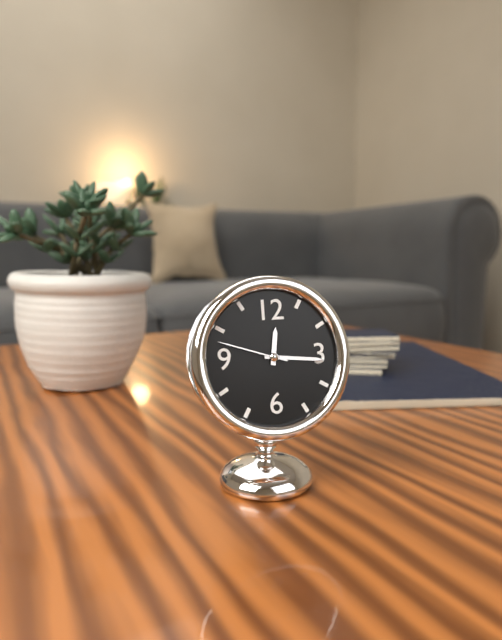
12:16:48
